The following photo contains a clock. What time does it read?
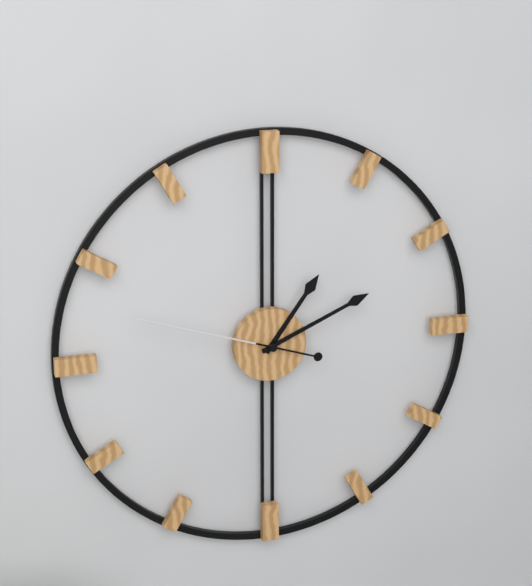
1:11:48
